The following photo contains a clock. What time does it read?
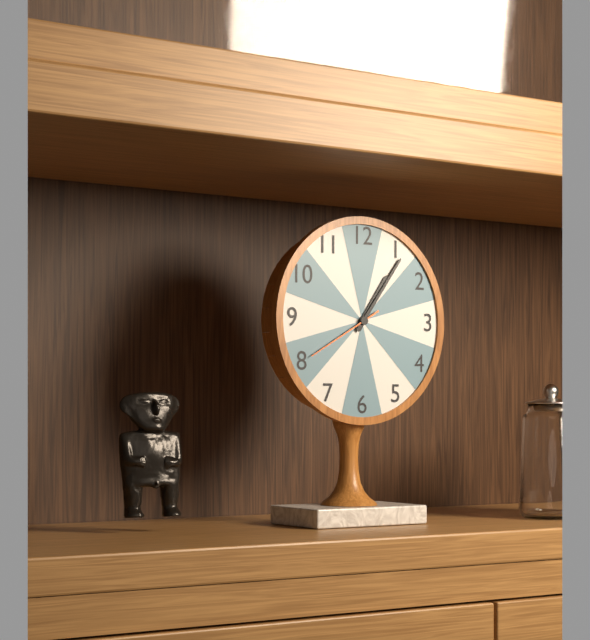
1:06:40
